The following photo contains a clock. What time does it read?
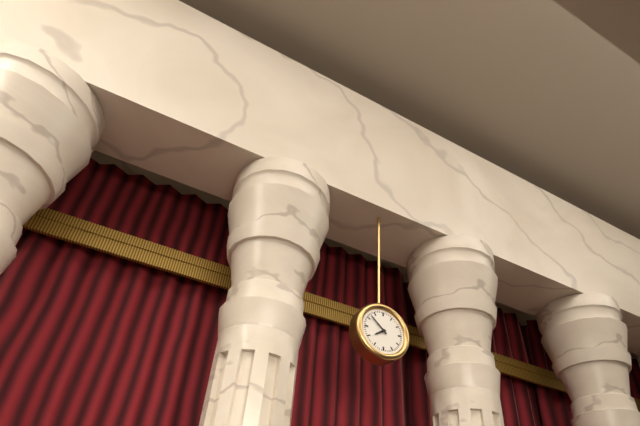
7:52
